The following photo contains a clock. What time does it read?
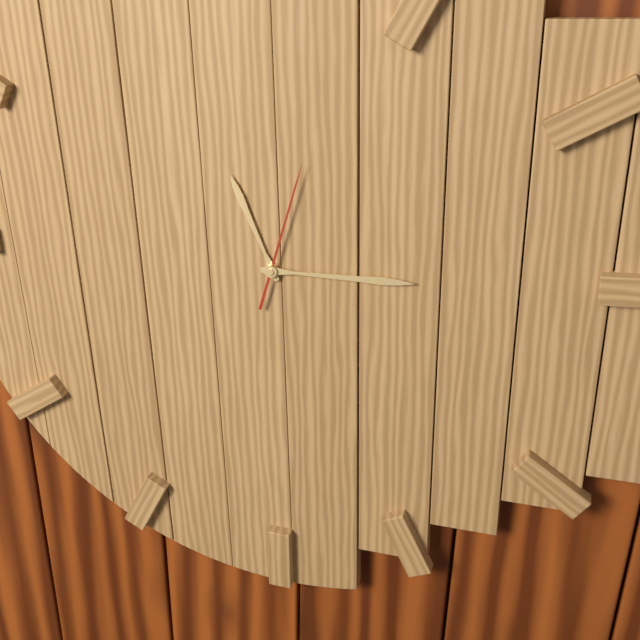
11:15:03
